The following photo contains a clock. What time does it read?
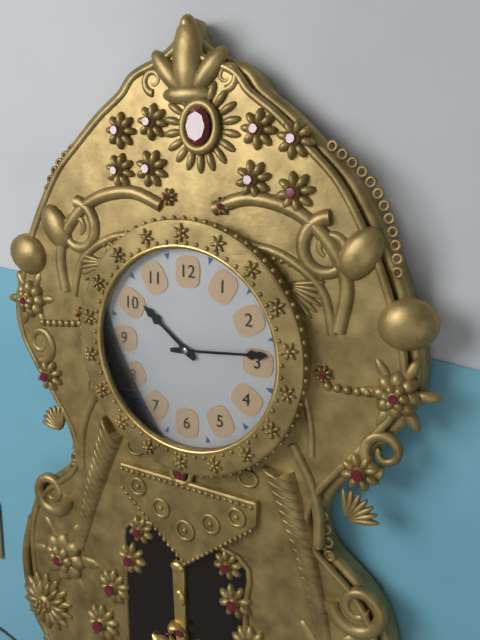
10:14
